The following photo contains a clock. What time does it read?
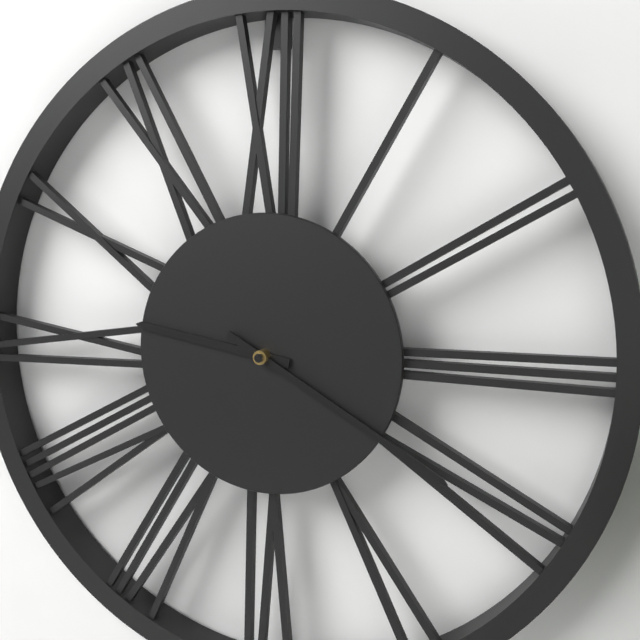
9:20
